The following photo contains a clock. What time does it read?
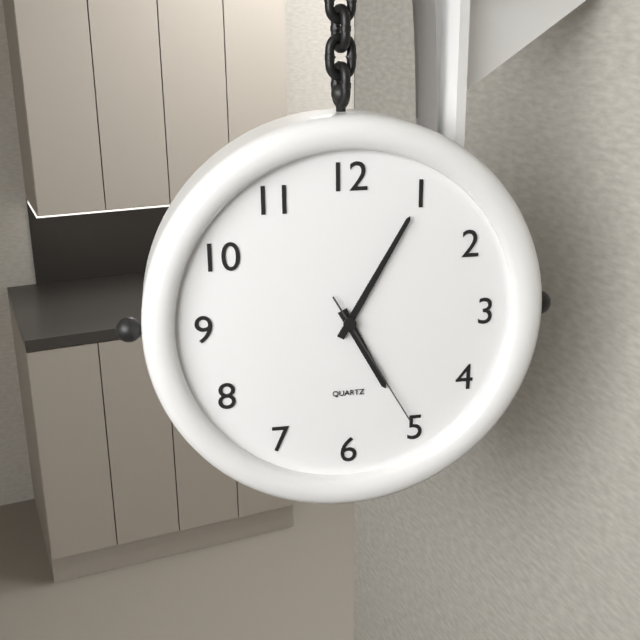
5:05:25
